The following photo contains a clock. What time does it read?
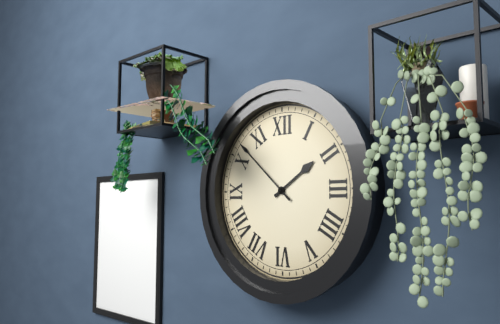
1:52
